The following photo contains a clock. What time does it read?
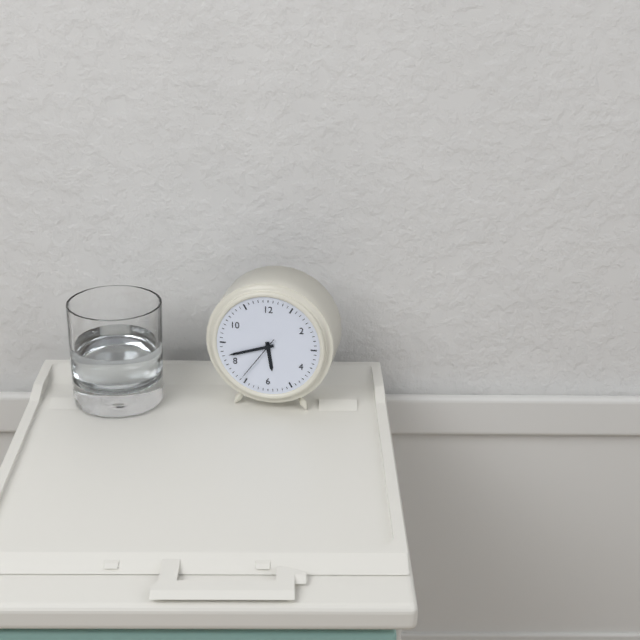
5:42:36
